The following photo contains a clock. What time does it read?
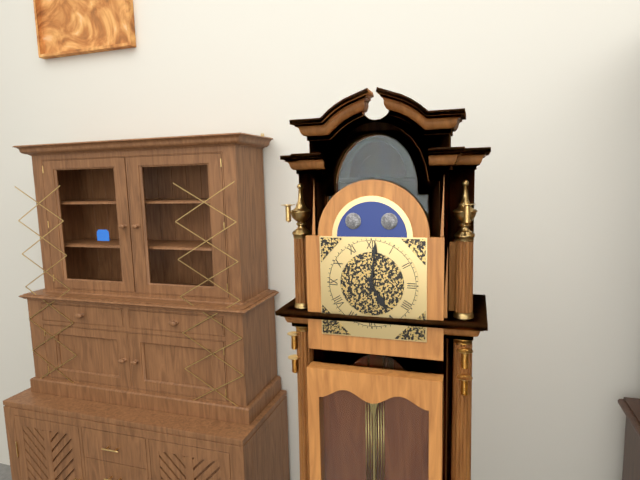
5:01
